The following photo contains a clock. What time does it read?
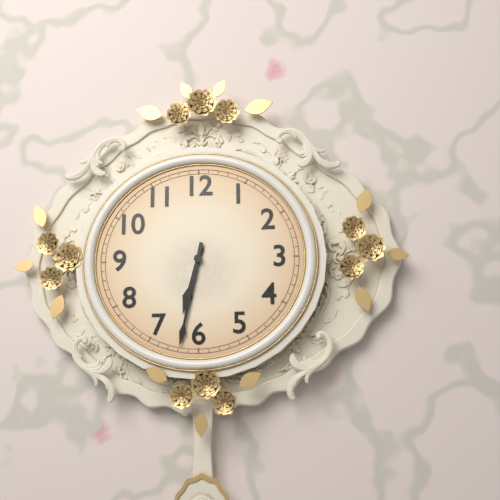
6:32
